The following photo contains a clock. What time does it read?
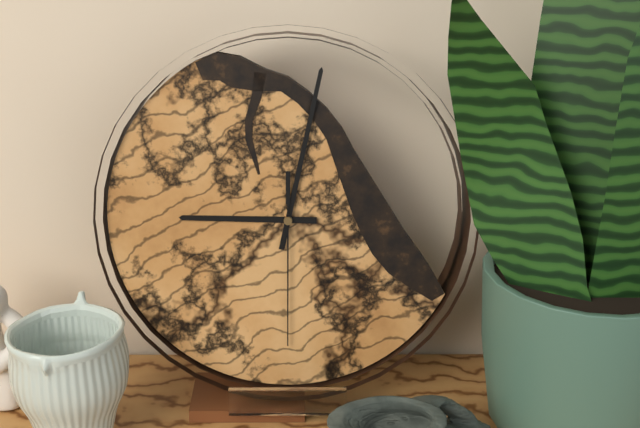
9:02:30
